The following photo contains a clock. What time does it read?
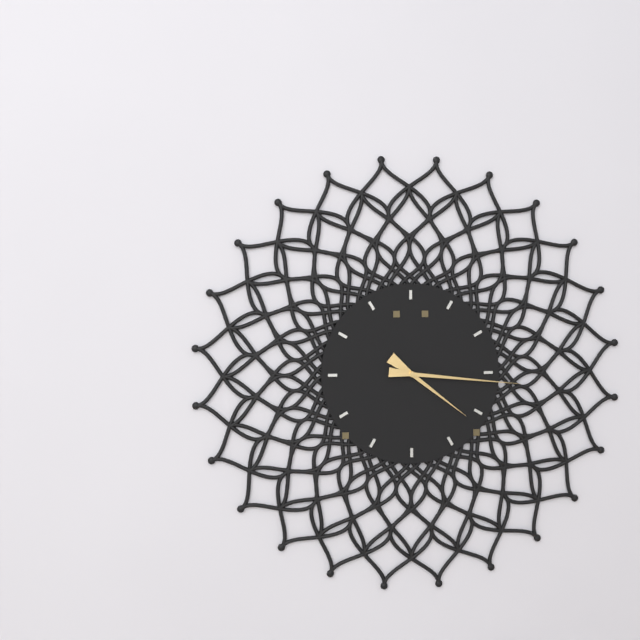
4:16
